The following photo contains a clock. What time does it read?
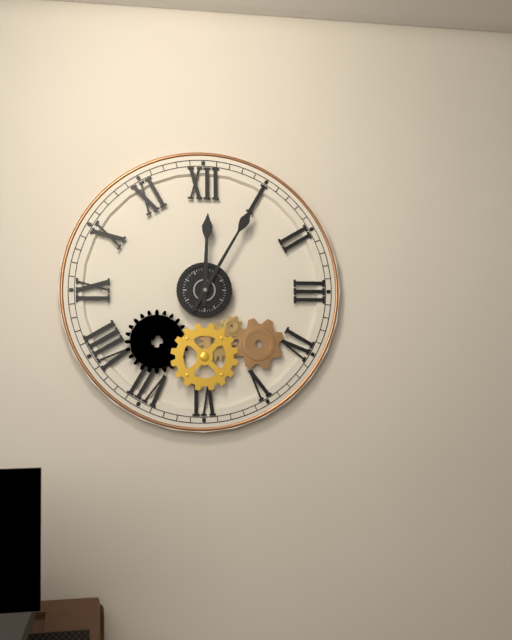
12:05
